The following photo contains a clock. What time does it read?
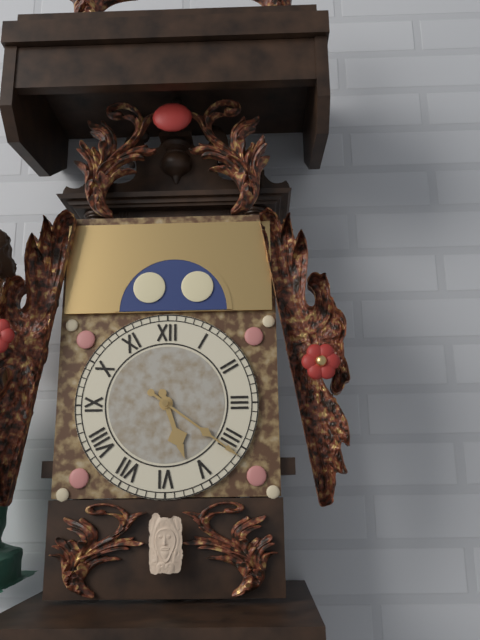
5:21
